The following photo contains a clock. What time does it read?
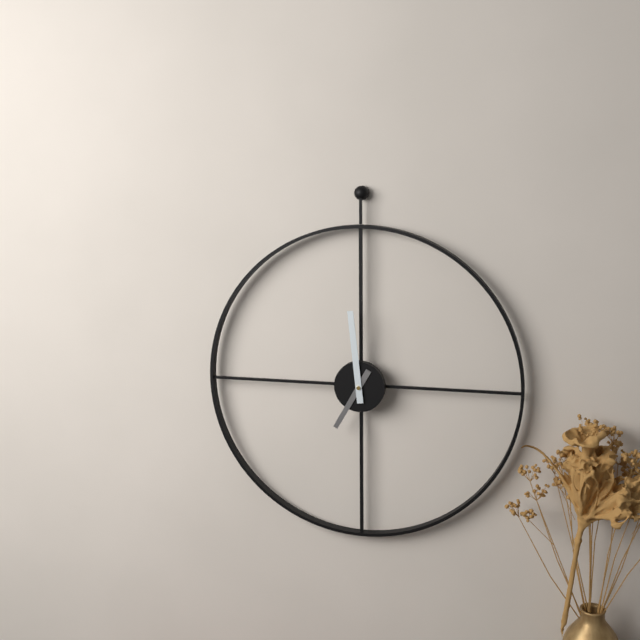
6:59
